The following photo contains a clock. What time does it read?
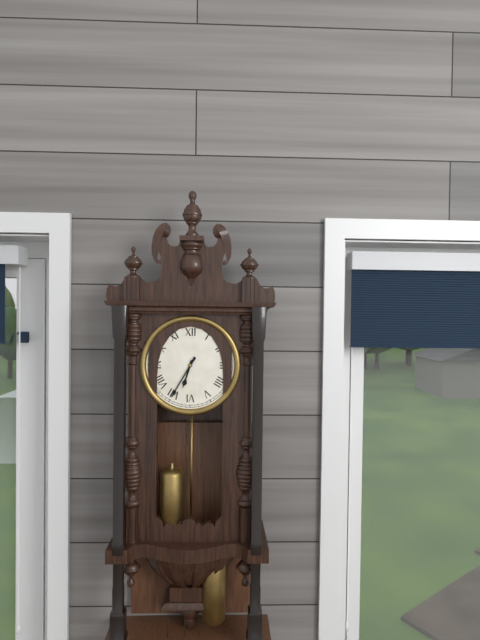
6:35
